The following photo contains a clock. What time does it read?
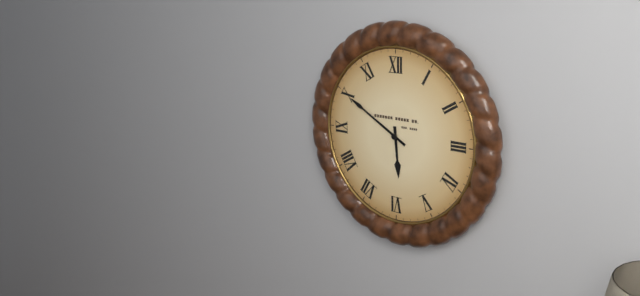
5:50
